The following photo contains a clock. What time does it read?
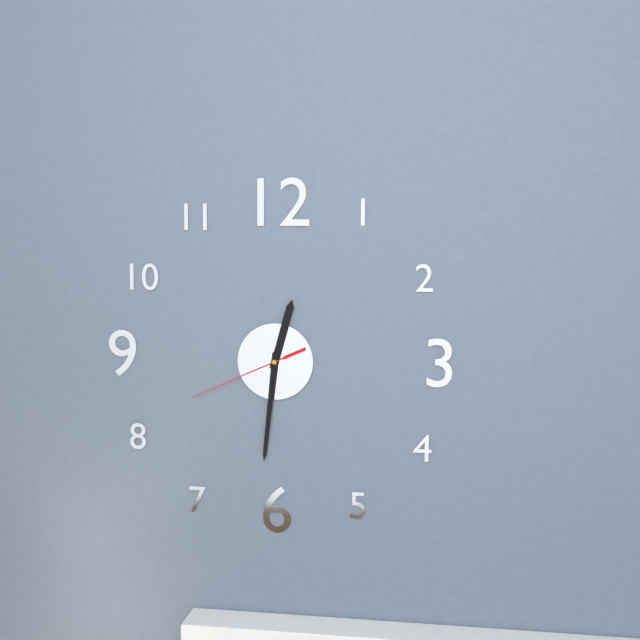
12:31:41
